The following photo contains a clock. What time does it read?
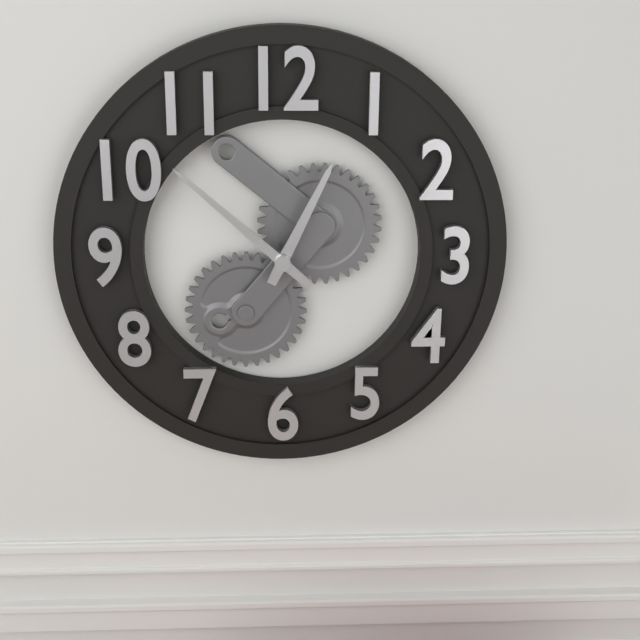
12:52
